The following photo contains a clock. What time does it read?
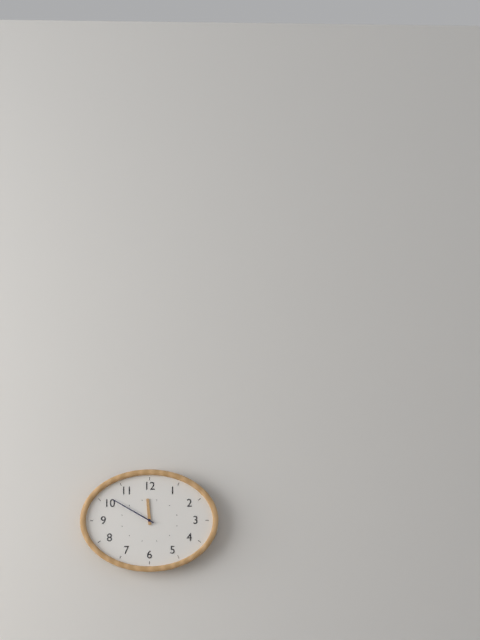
11:50
